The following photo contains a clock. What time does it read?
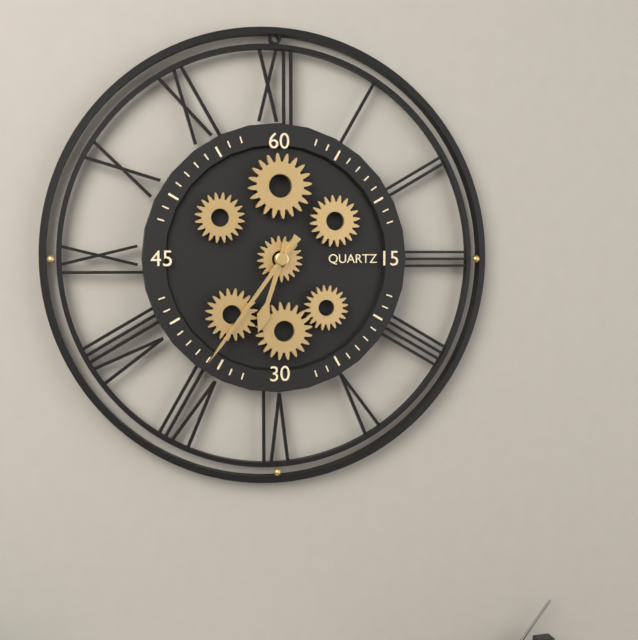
6:36
